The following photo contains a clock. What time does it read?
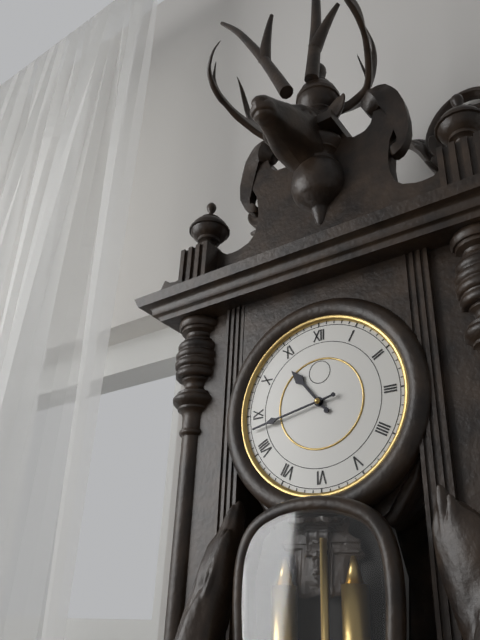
10:43
